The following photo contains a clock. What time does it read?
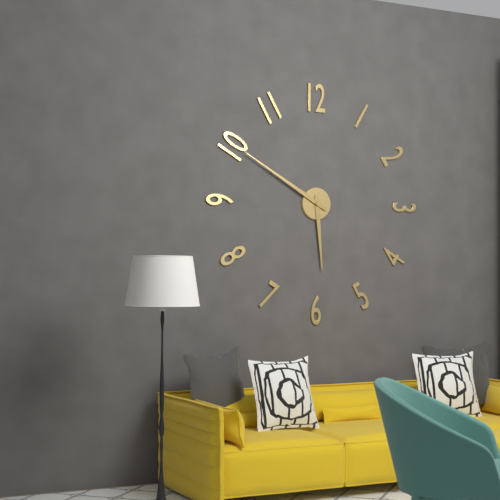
5:50
